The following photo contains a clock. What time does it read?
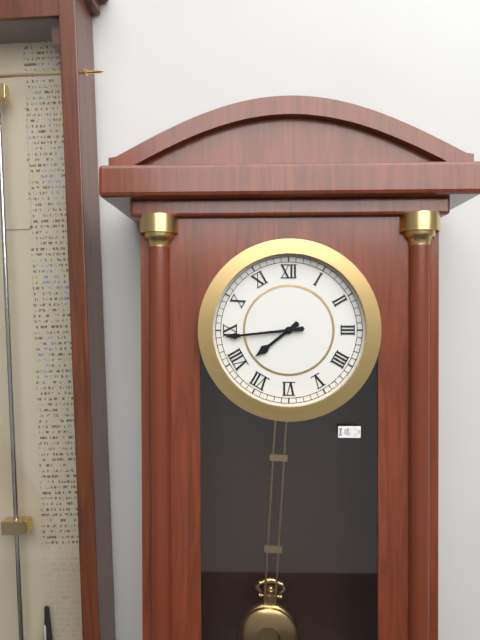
7:44
